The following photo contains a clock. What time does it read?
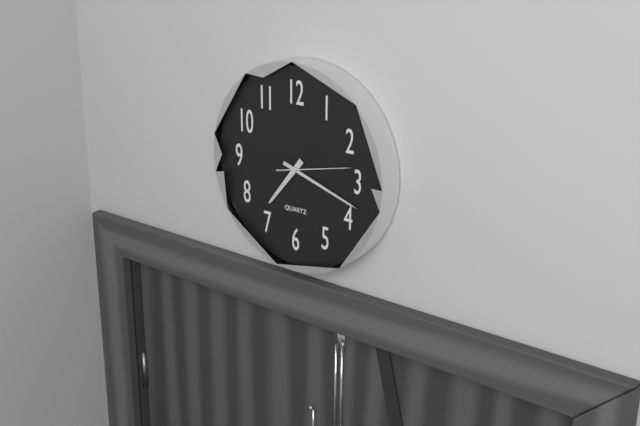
7:18:13
